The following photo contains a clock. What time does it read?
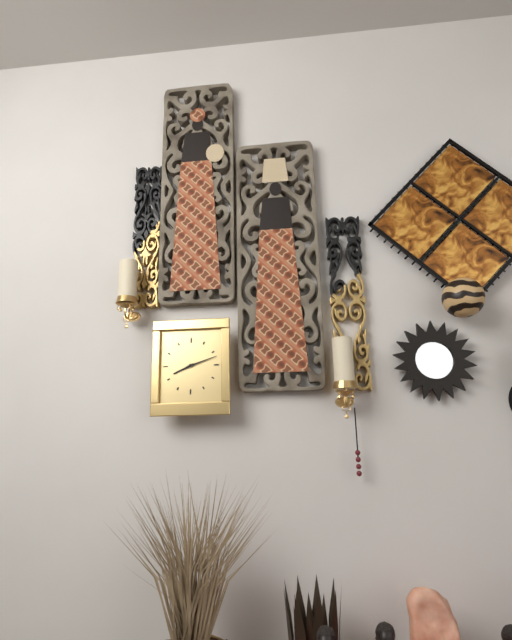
8:12
